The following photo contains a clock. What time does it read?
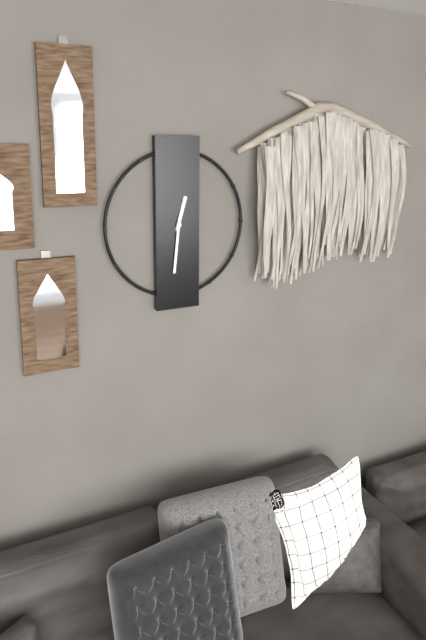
12:31
